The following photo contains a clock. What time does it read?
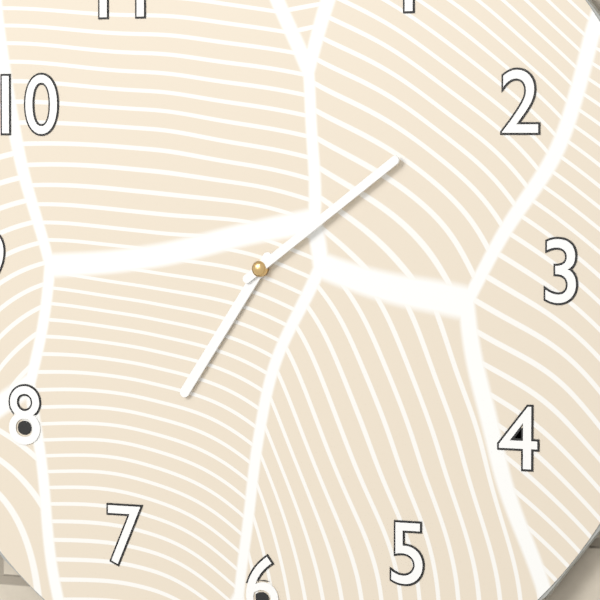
7:09
